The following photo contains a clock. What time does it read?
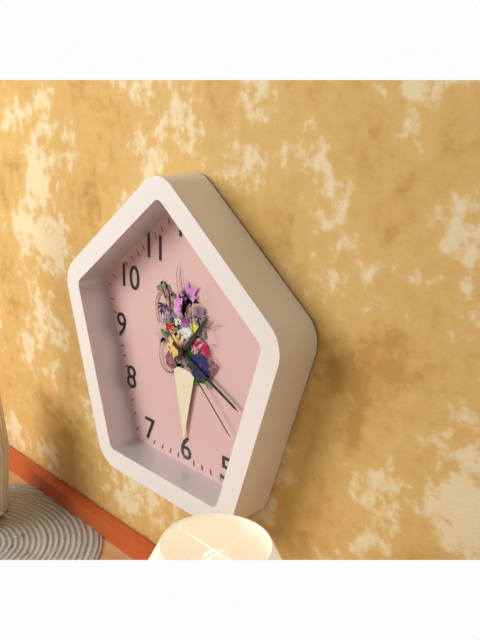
1:19:22
